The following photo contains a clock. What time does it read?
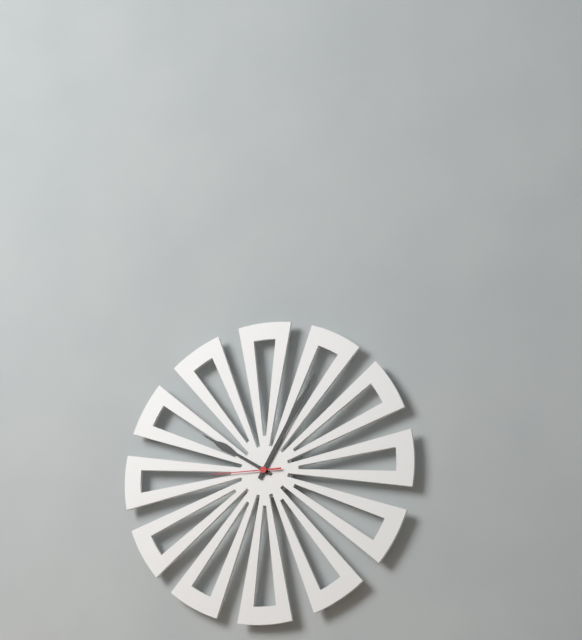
10:05:45
